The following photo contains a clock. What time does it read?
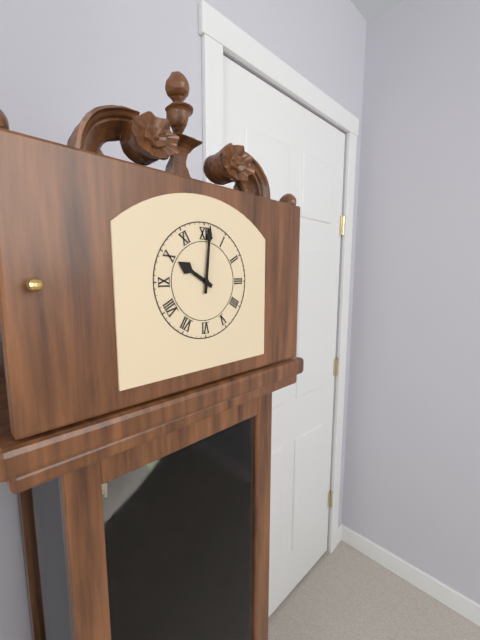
10:01
